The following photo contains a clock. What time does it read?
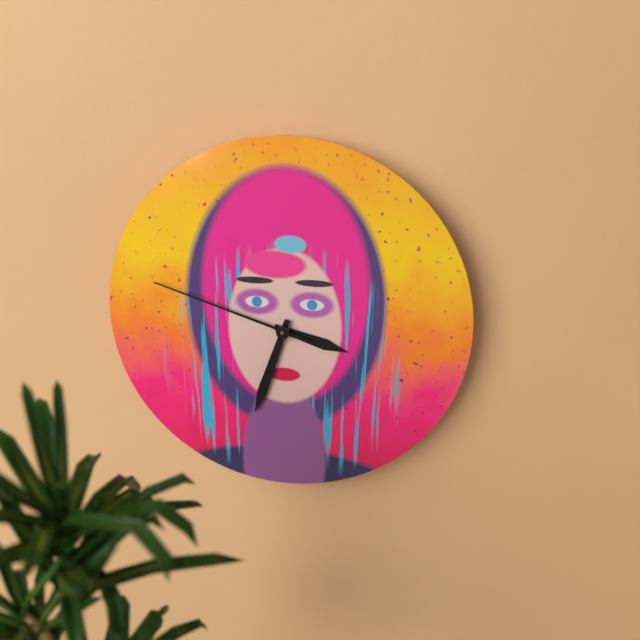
3:33:48
